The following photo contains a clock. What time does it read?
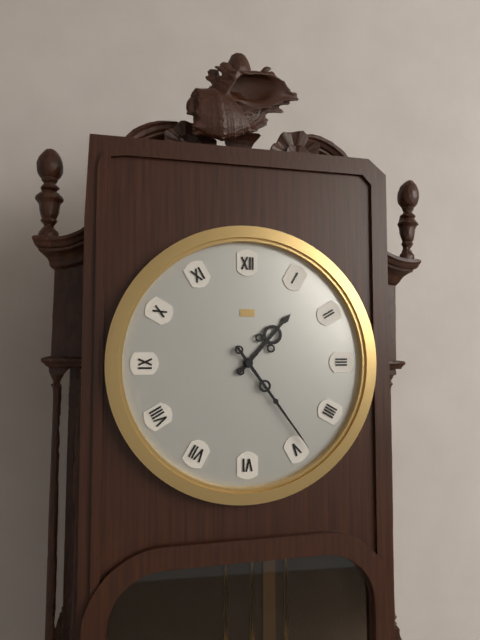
1:24
